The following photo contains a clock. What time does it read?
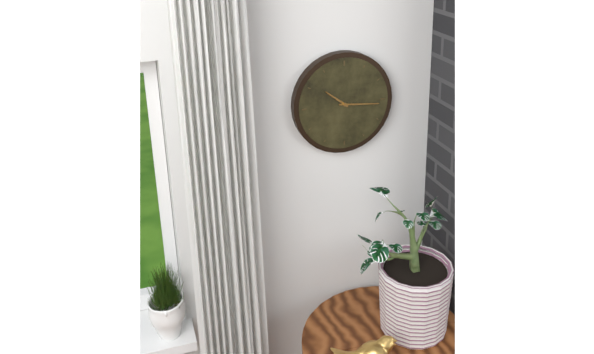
10:16
